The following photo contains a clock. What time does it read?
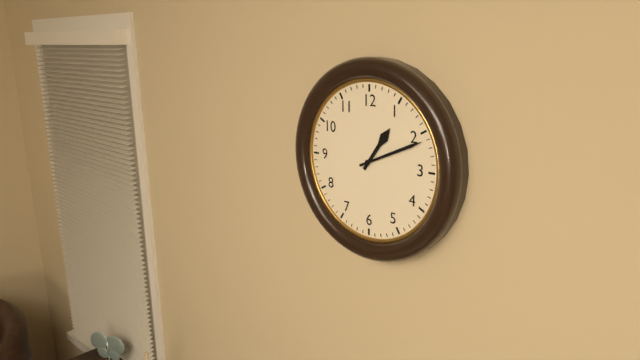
1:11
